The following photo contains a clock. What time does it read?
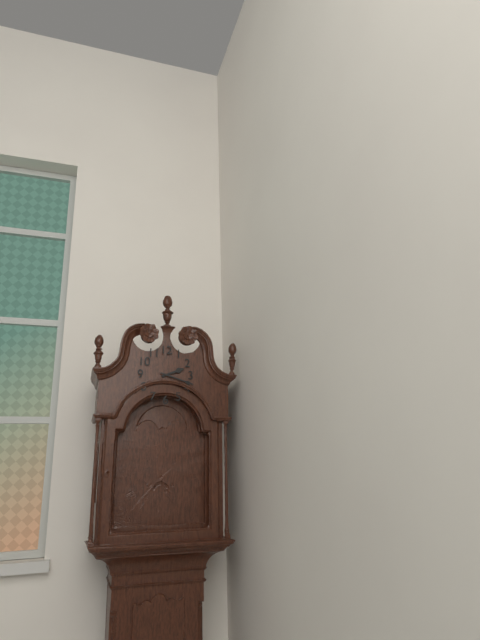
2:18
